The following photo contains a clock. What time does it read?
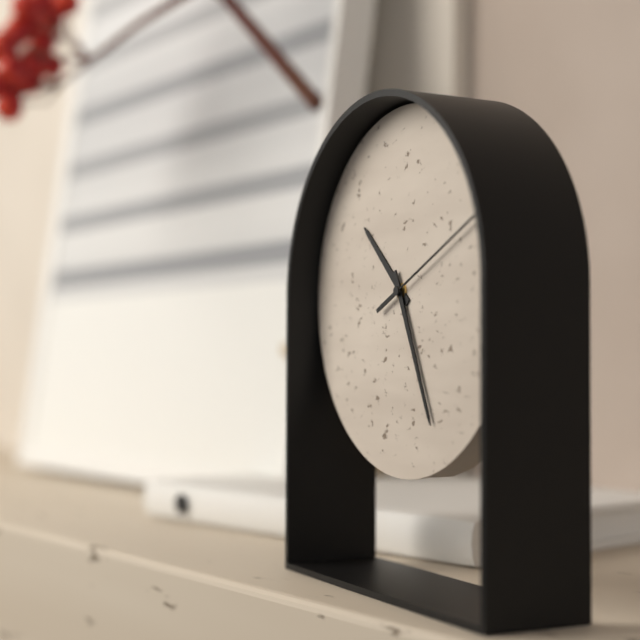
10:26:11
